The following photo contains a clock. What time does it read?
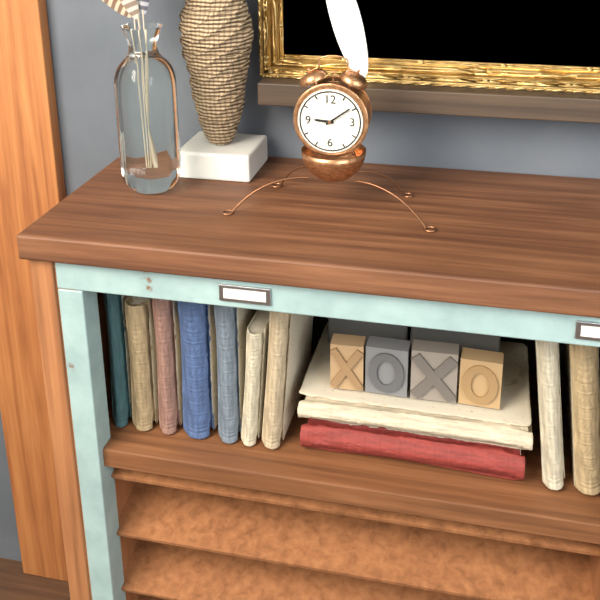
9:09
